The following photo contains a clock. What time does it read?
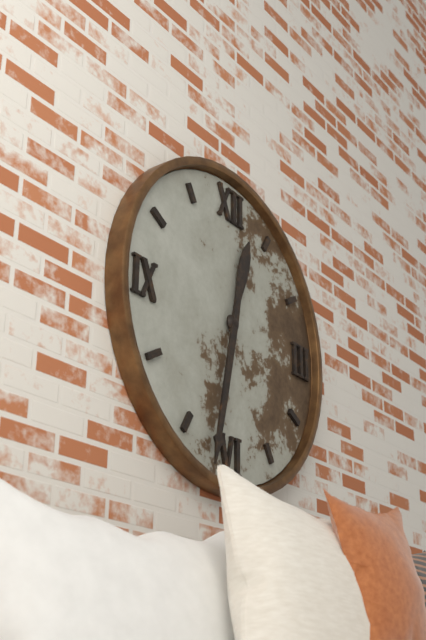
12:32
